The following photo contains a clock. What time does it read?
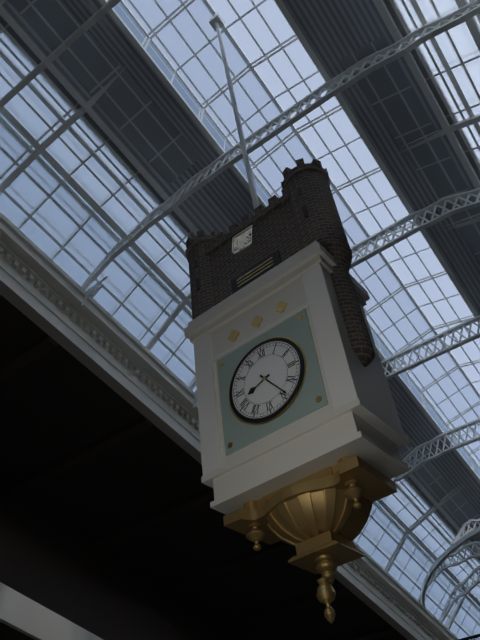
8:24
